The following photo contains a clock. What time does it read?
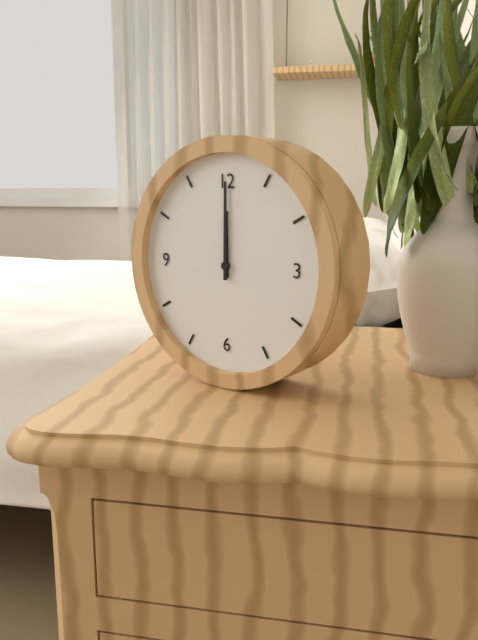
12:00
